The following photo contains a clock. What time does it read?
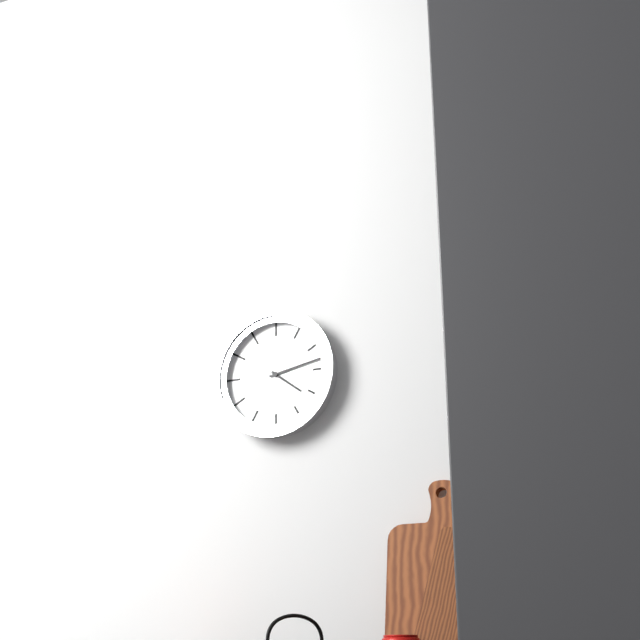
4:13
